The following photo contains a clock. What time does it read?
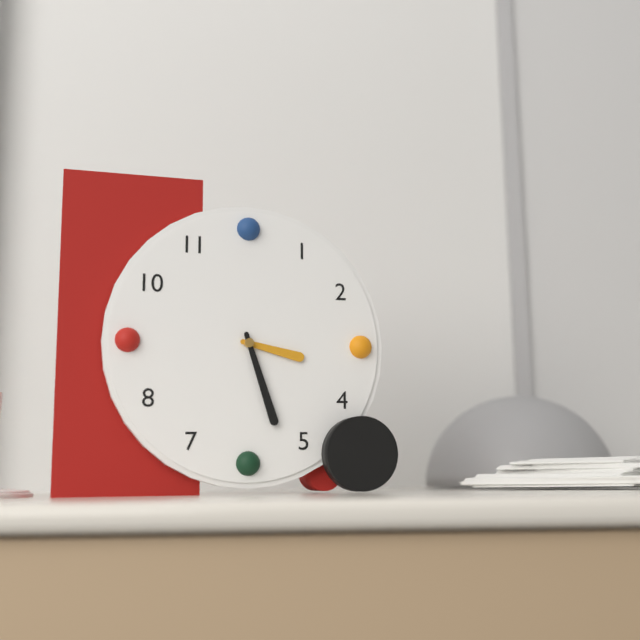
3:27
